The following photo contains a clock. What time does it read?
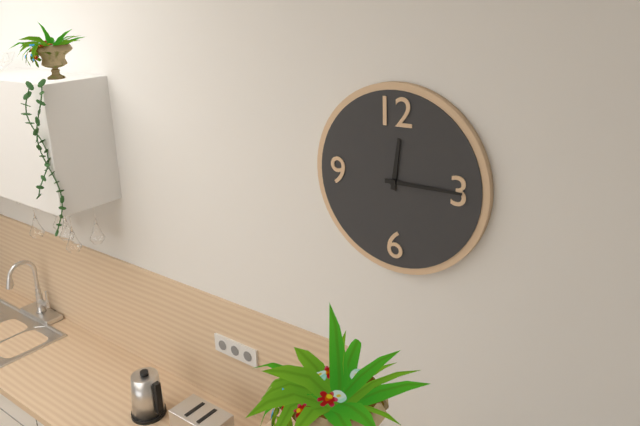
12:15
